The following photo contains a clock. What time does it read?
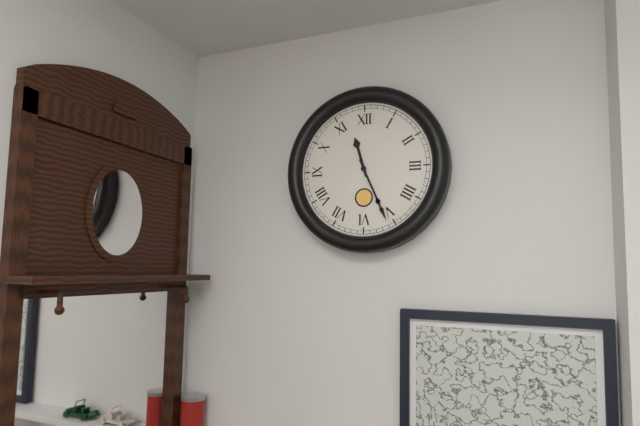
11:26
